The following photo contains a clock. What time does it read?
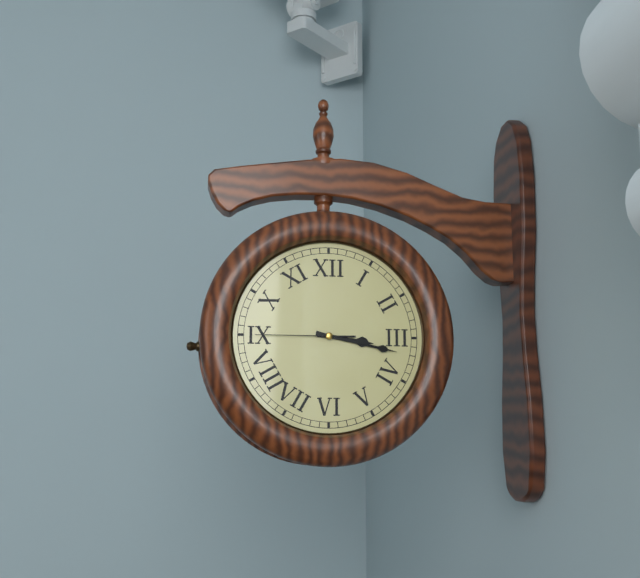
3:17:45
